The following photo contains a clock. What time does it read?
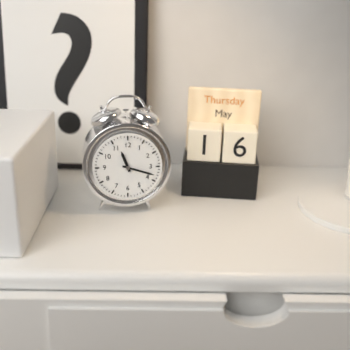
11:18
